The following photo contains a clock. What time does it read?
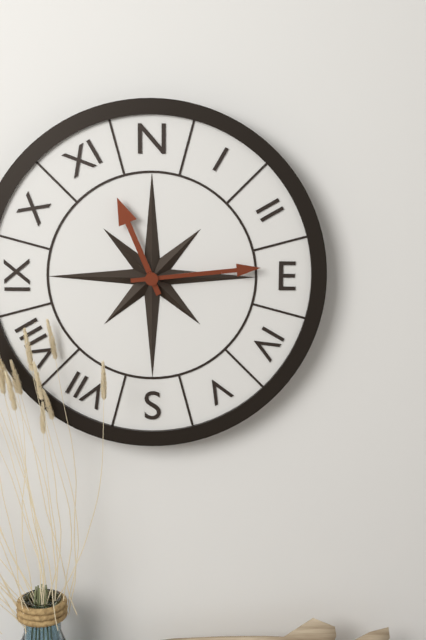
11:14
